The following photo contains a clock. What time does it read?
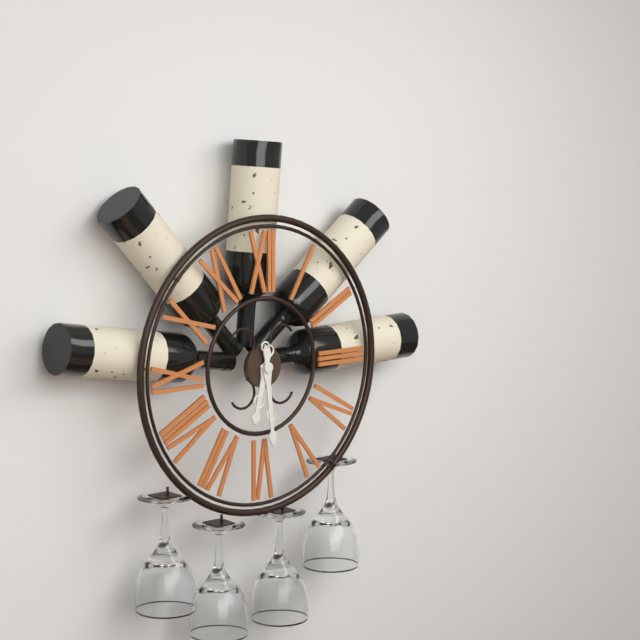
6:29
